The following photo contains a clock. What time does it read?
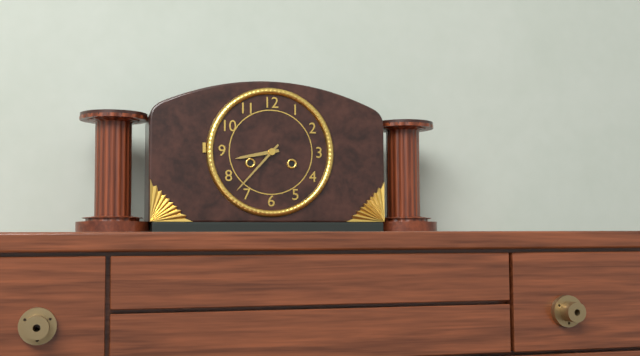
8:37
